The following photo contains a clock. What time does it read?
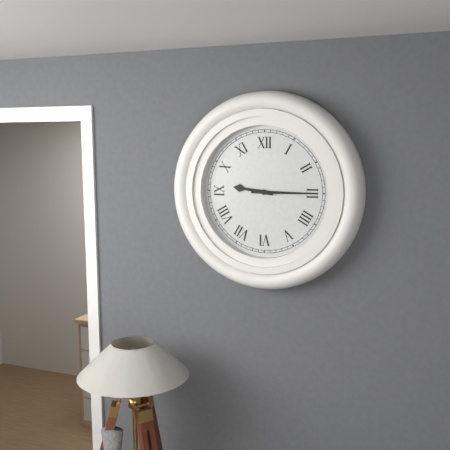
9:15
